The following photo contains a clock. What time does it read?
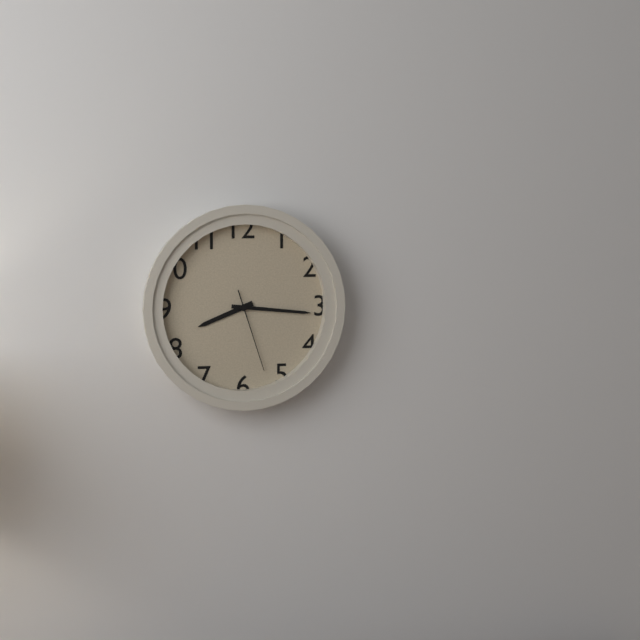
8:16:27
